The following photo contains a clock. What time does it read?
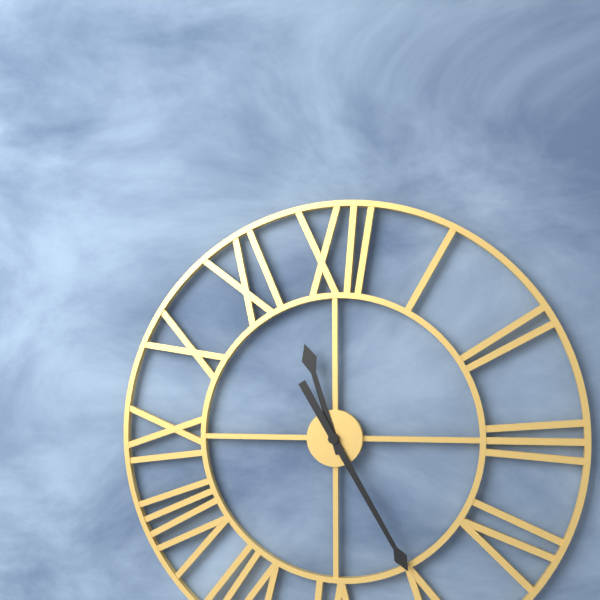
11:25
